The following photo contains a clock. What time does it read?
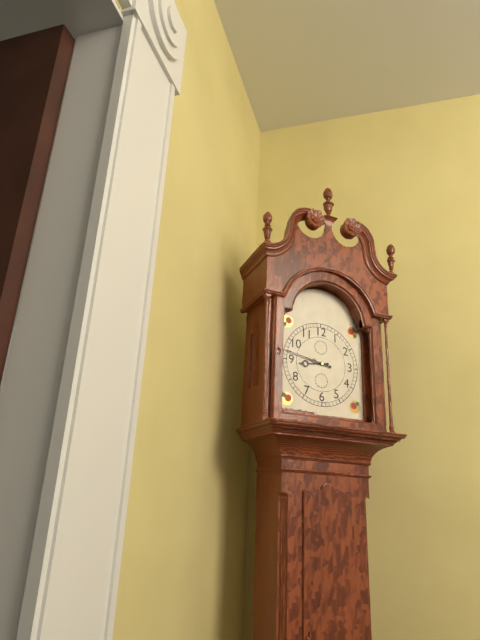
8:47
